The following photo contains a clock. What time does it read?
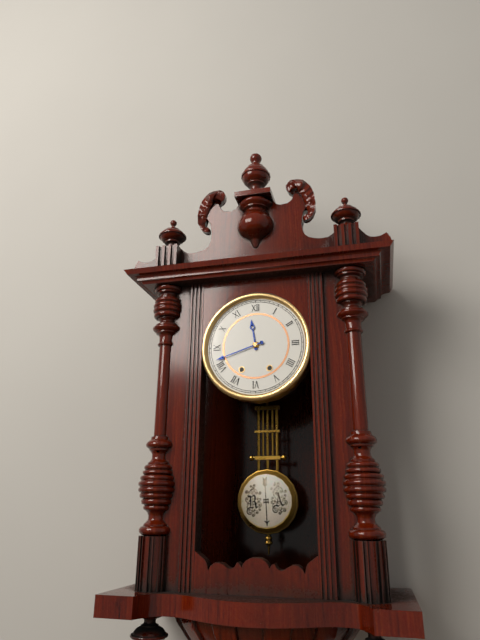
11:42
